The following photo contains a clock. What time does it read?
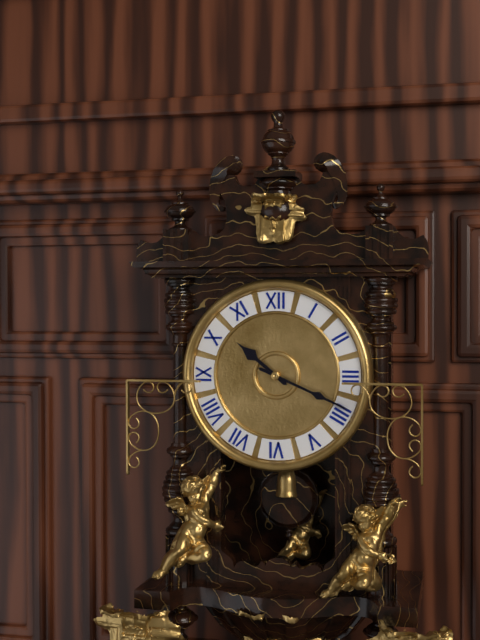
10:19
